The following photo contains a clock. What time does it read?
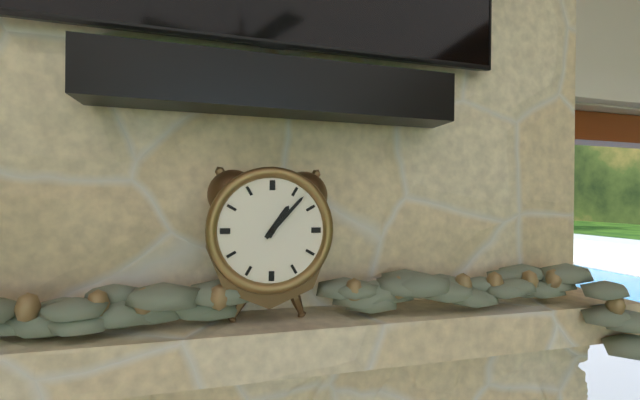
1:07
